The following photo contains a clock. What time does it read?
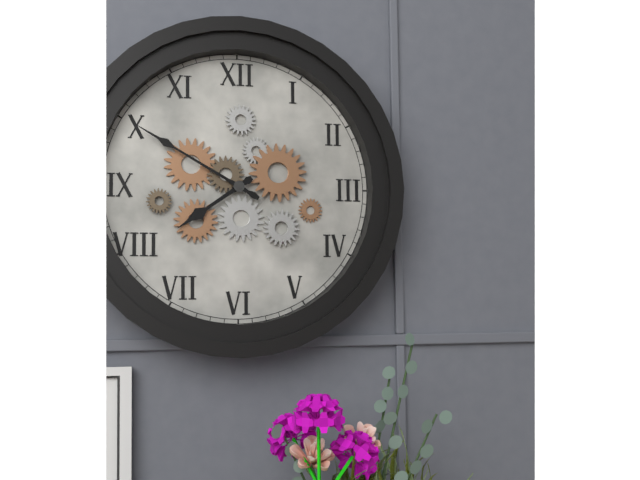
7:50
